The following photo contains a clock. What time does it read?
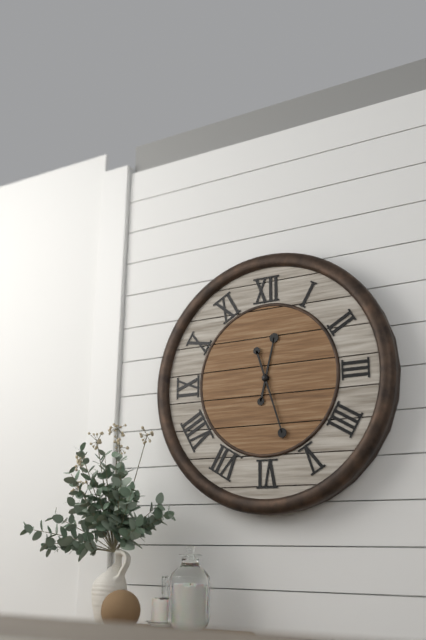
12:27
